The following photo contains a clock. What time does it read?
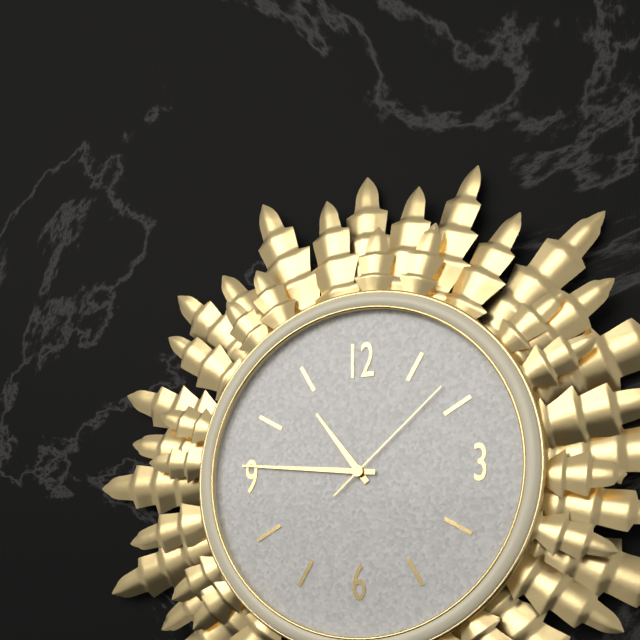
10:46:08
